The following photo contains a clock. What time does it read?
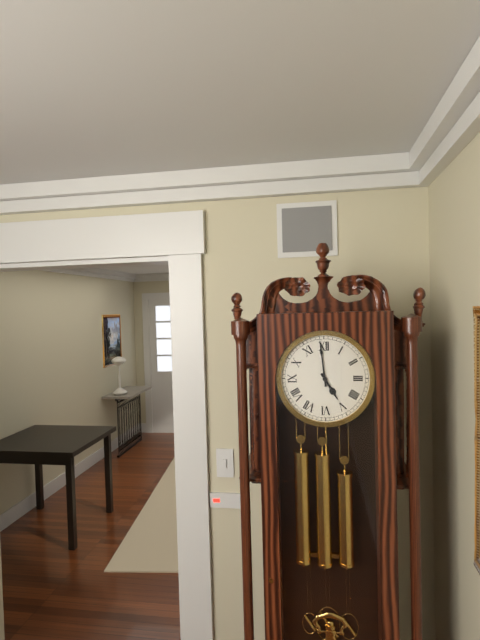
4:59
